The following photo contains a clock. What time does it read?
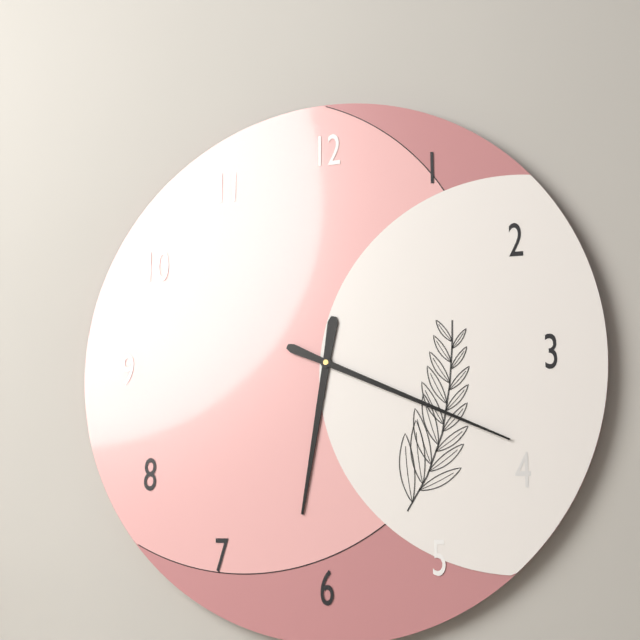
6:19
